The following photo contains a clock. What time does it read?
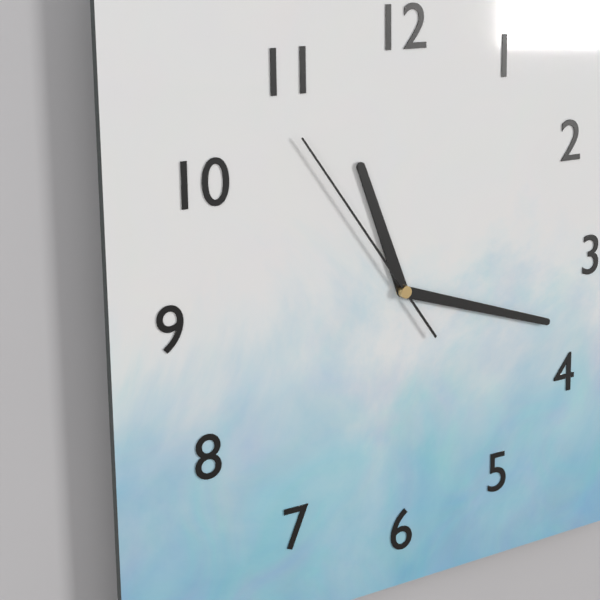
11:18:54
